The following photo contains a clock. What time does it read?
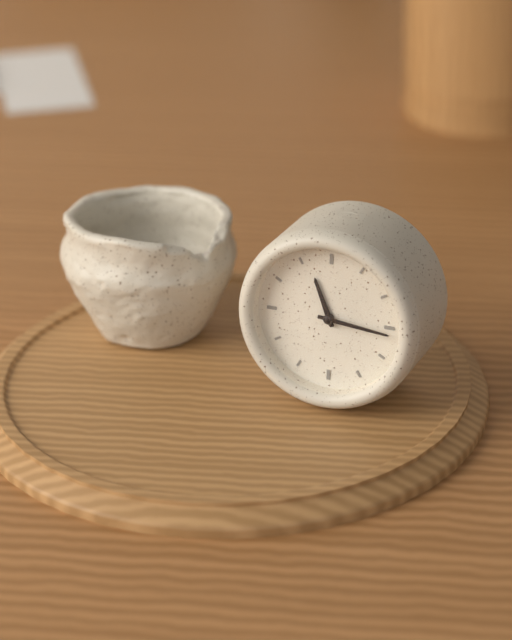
11:16
